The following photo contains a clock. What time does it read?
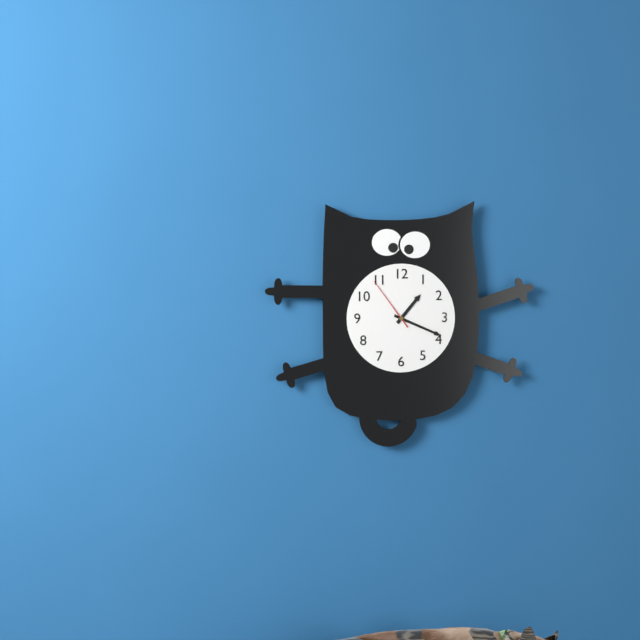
1:19:54
